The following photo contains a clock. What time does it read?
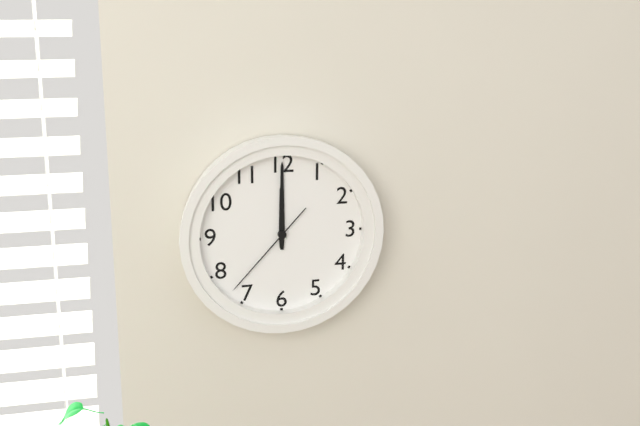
12:00:37
